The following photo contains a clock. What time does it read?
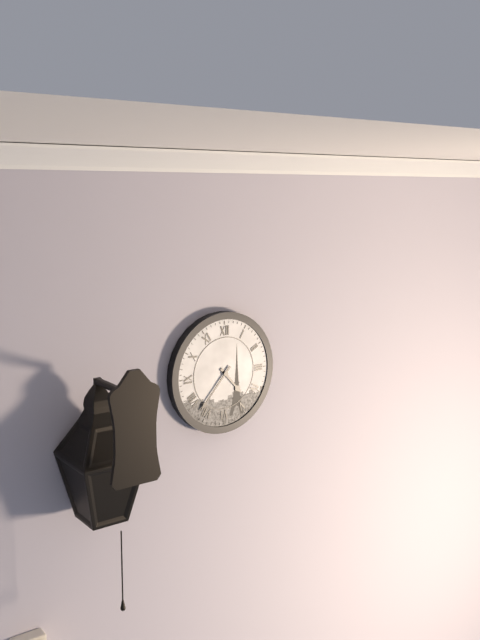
4:37
